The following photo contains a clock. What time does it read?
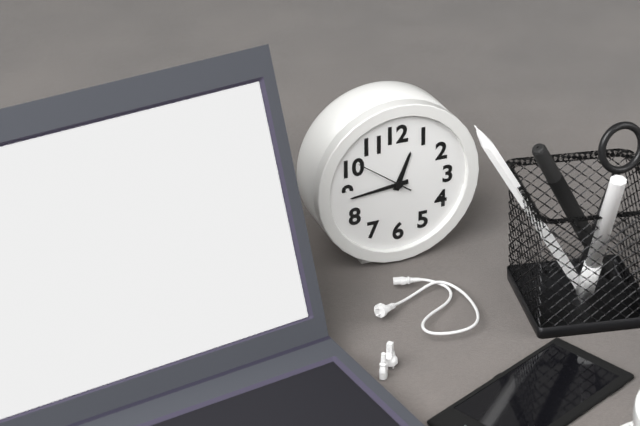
12:44:51
